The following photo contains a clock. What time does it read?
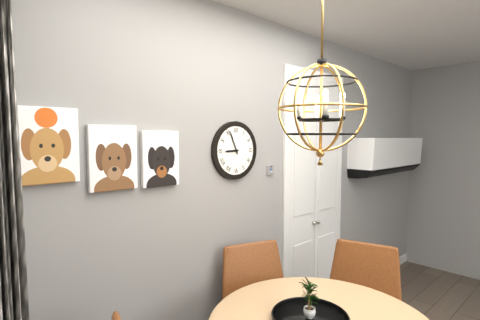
8:56
